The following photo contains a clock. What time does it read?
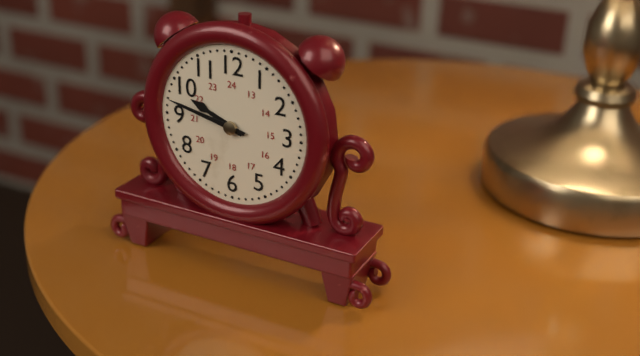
9:47
